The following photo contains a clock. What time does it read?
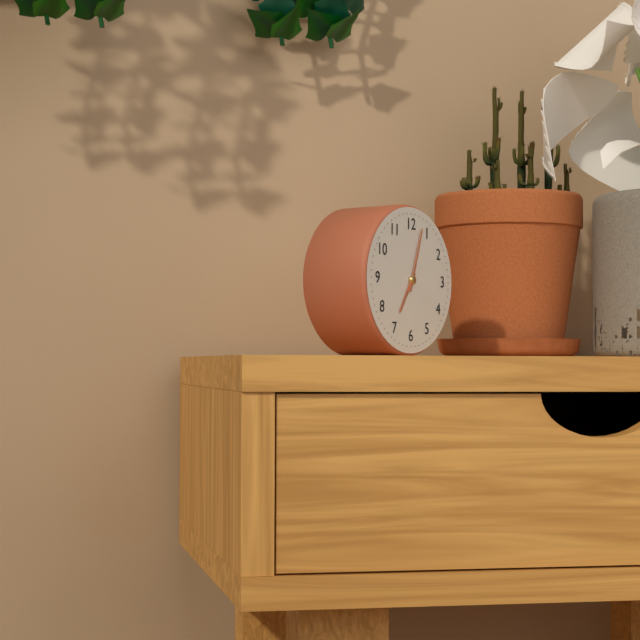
7:03
